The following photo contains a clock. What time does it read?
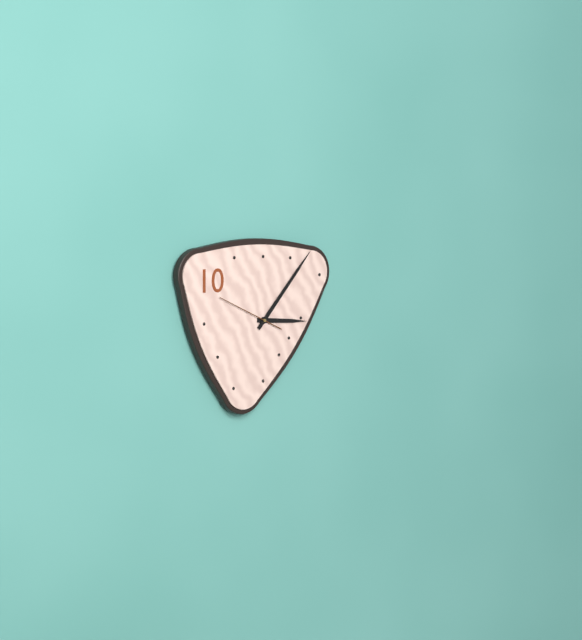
3:07:49
